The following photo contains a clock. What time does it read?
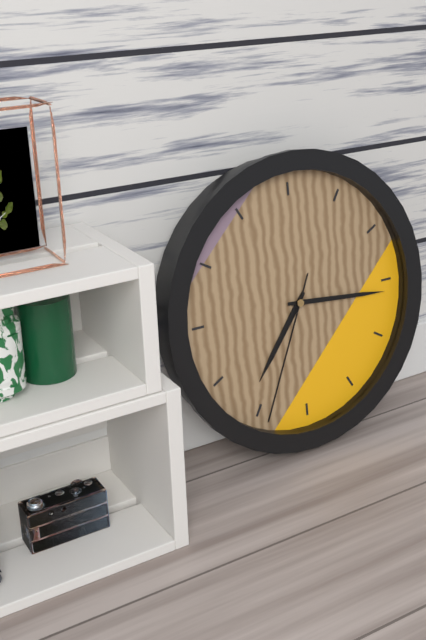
7:16:34
